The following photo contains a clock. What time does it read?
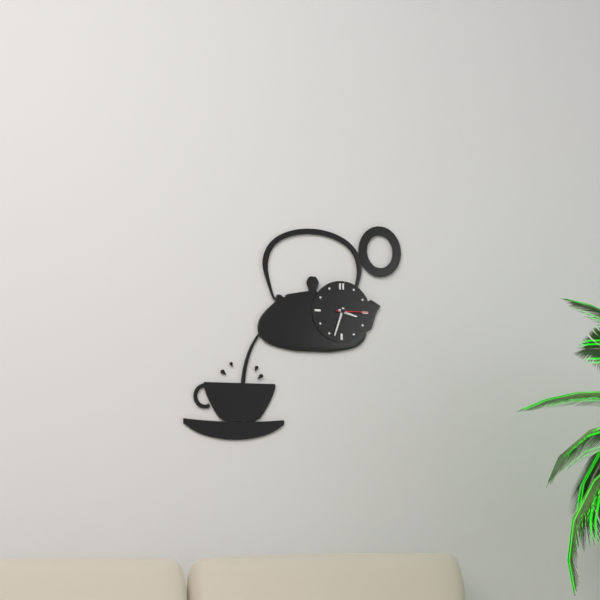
3:33
